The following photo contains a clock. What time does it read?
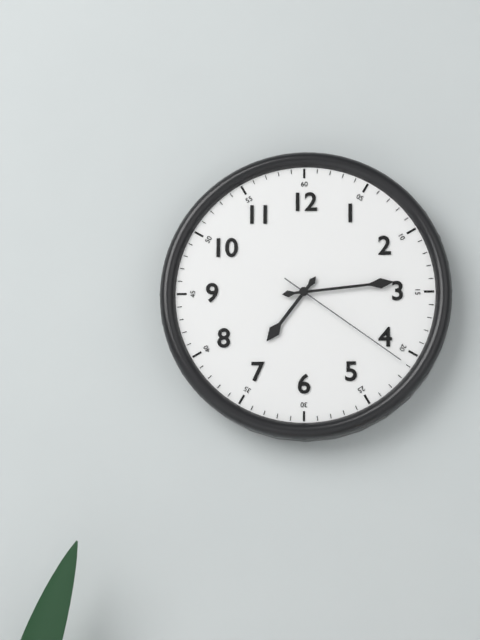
7:14:21
